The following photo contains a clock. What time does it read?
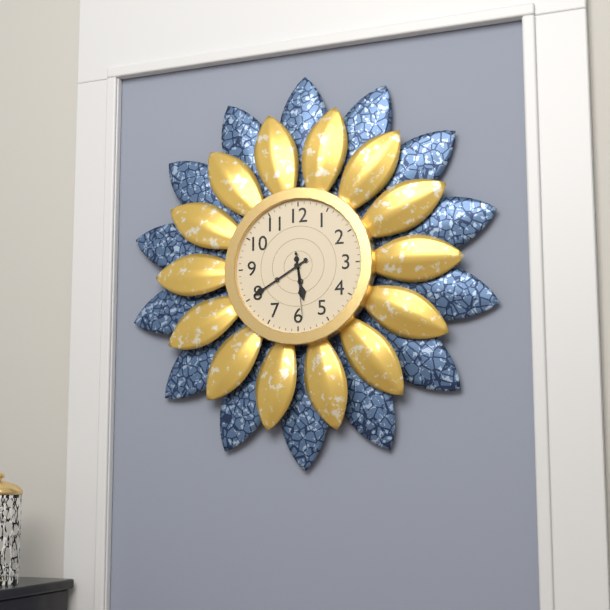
5:40:29
